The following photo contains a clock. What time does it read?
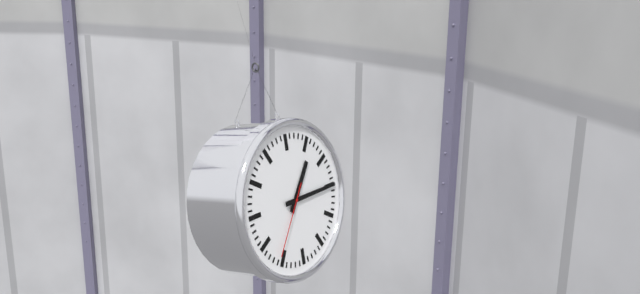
1:15:36
